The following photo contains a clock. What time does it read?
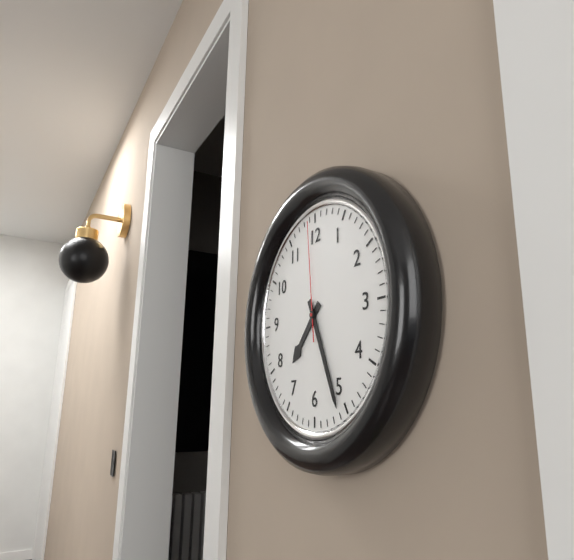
7:26:59
